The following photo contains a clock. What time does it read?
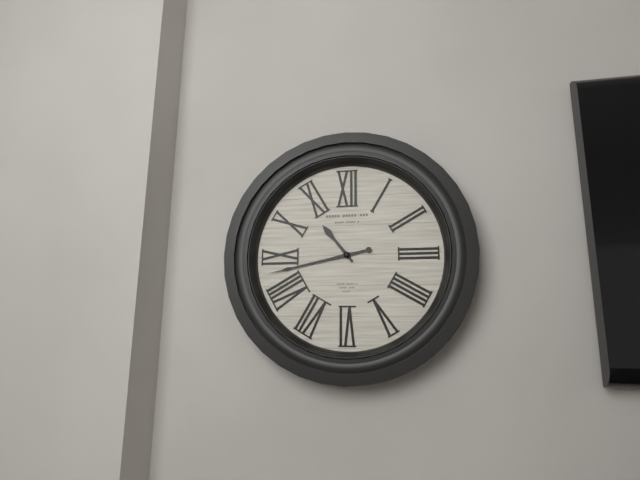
10:43
